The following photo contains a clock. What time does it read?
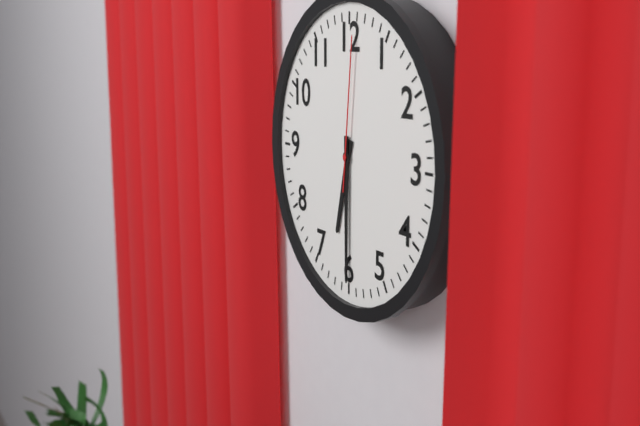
6:30:01
